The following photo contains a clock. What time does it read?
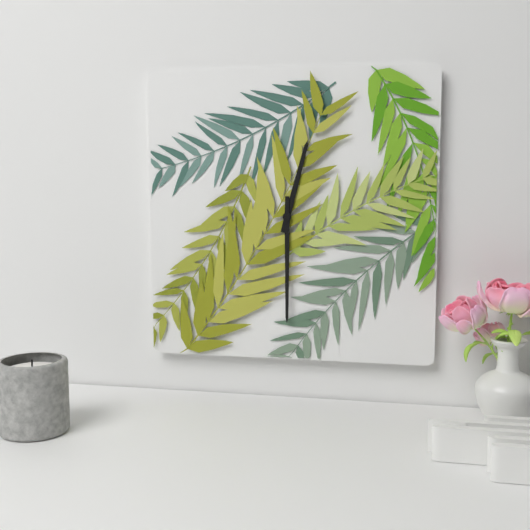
12:30
